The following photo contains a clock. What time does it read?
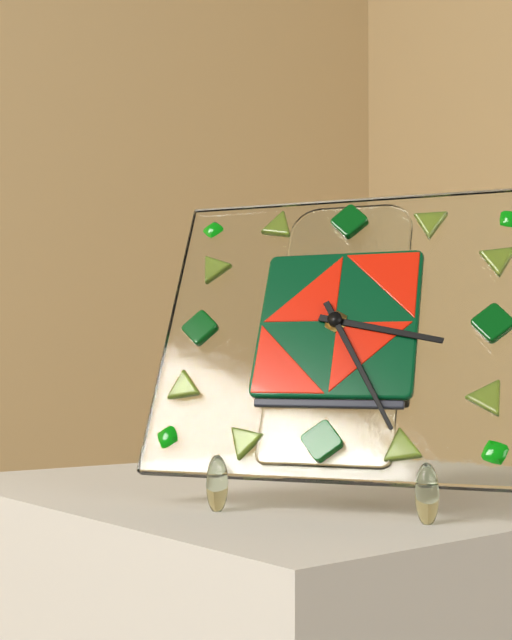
3:25
